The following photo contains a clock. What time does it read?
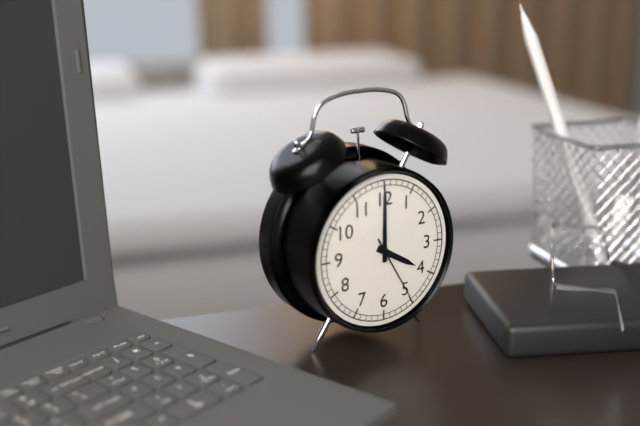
4:00:25
